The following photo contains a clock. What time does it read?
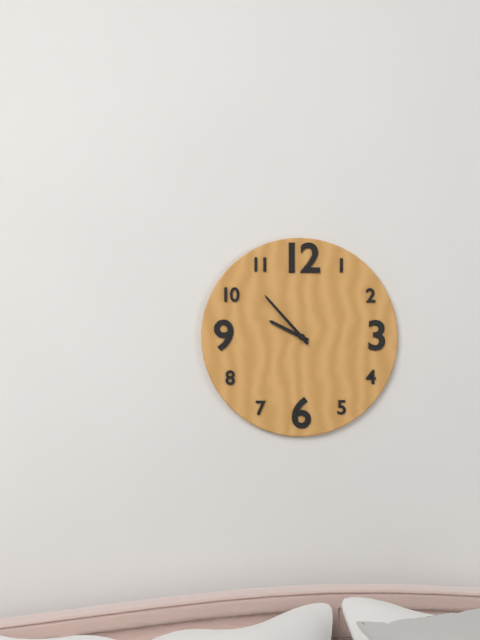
9:53
